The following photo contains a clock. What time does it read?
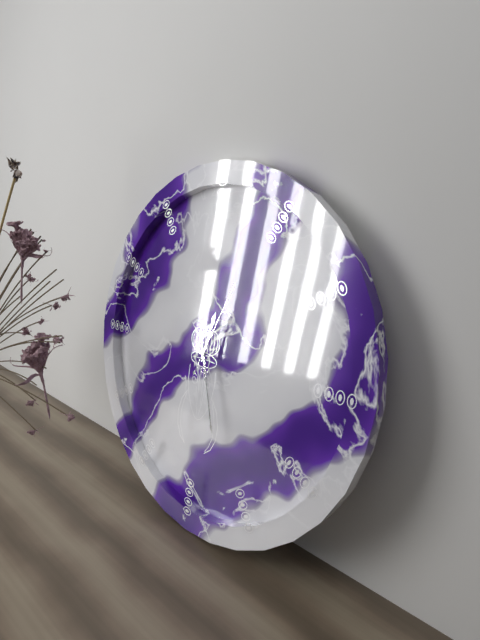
12:27:04
